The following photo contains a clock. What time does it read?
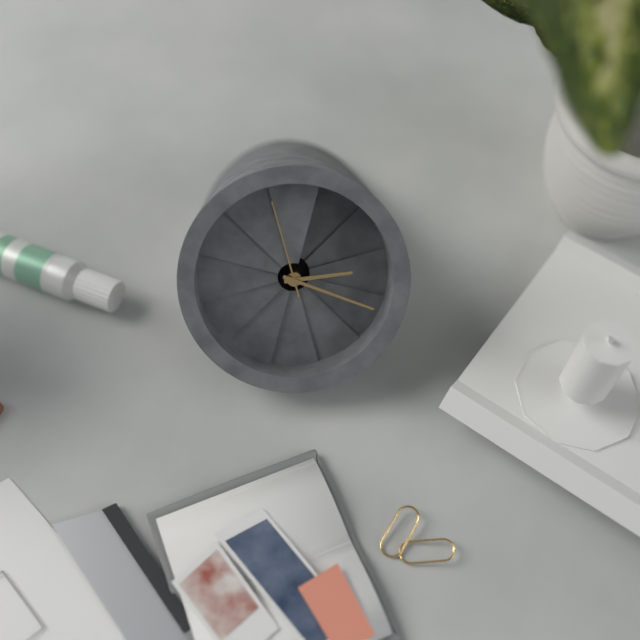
2:16:55
